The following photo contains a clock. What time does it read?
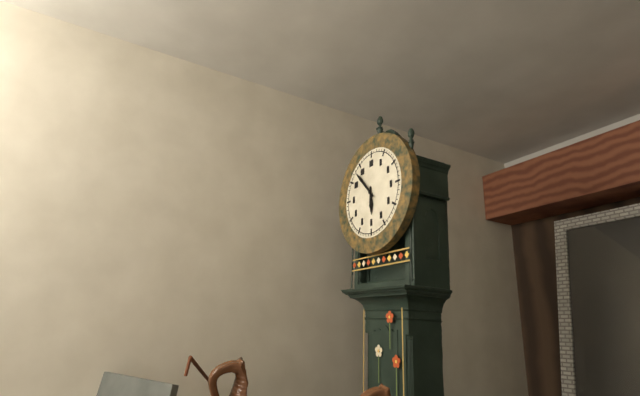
5:53
